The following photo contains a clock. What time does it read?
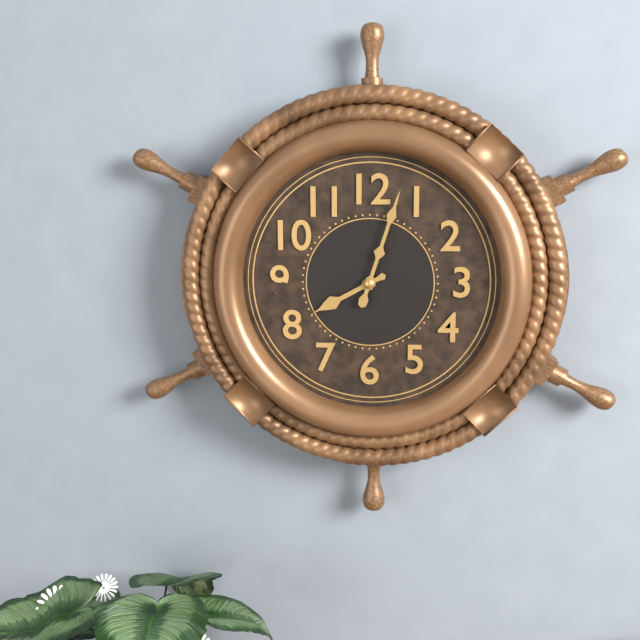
8:03
